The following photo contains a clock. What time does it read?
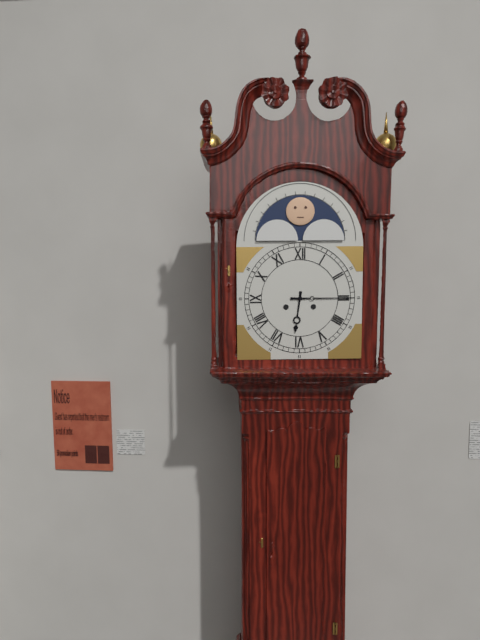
6:15
